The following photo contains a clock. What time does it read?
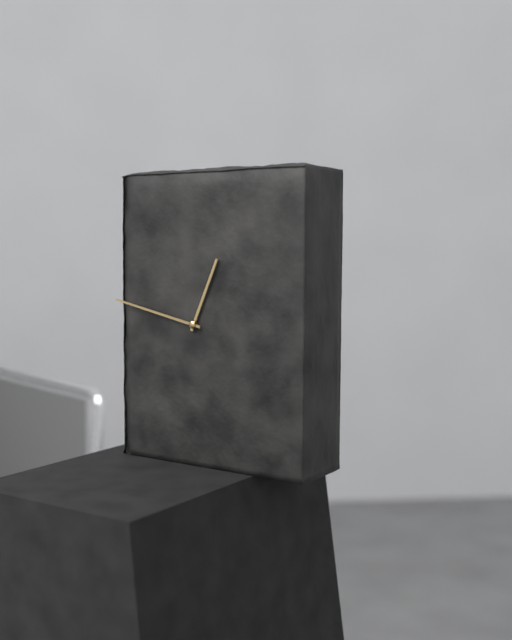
12:47
